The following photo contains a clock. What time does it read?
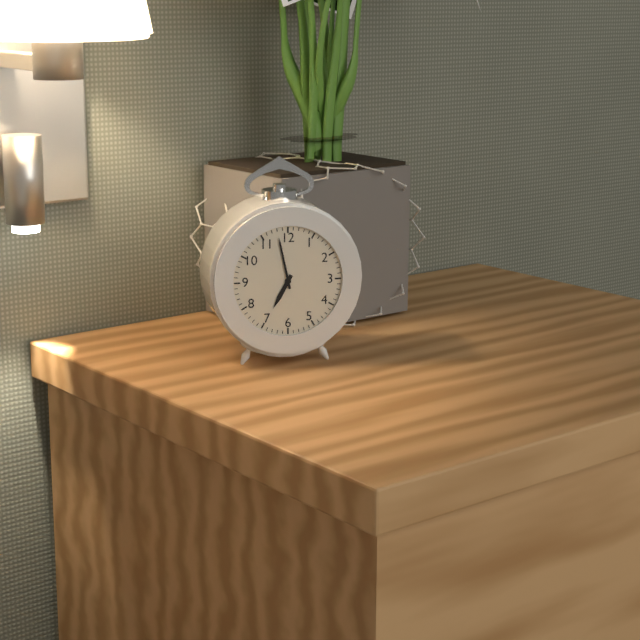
6:58
